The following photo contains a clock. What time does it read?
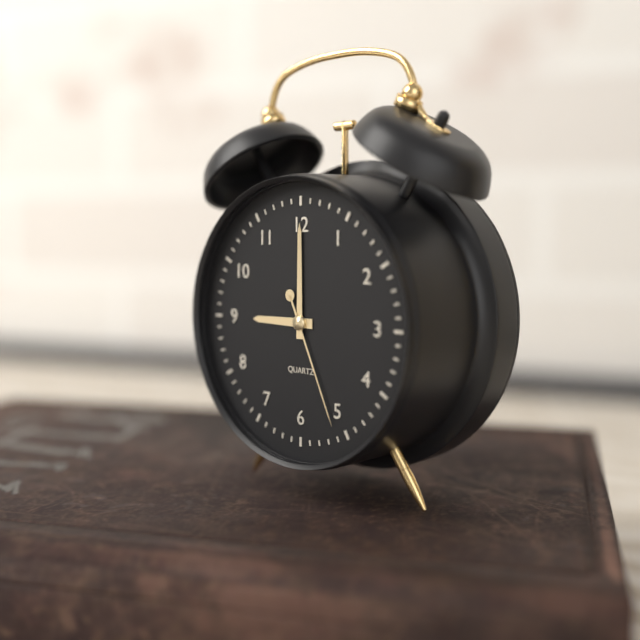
9:00:26
